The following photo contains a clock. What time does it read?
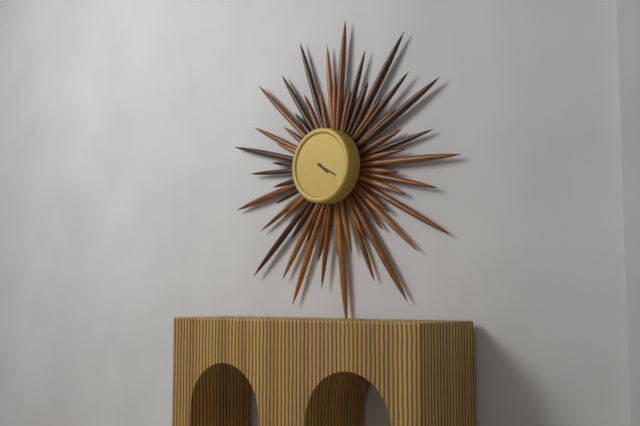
4:20
